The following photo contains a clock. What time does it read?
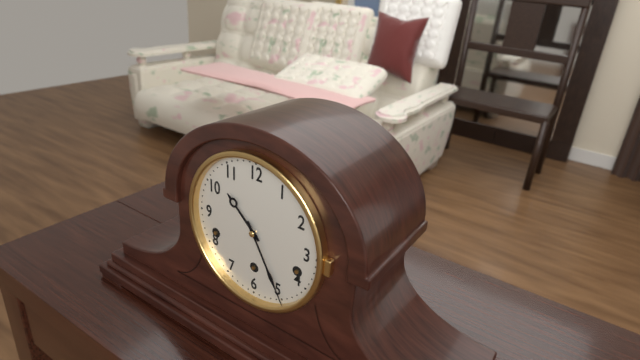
10:25
